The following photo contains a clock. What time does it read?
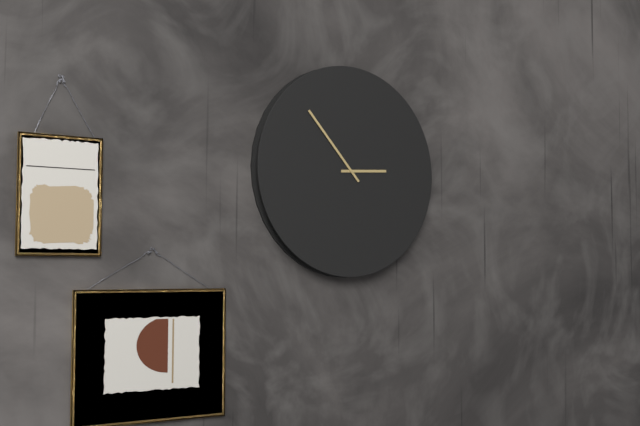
2:53
